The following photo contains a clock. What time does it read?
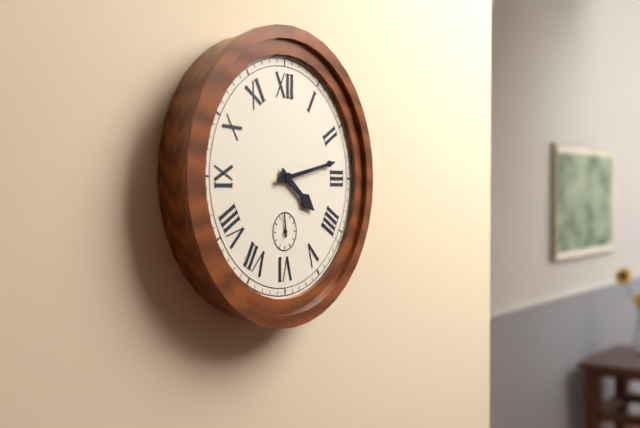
4:13
